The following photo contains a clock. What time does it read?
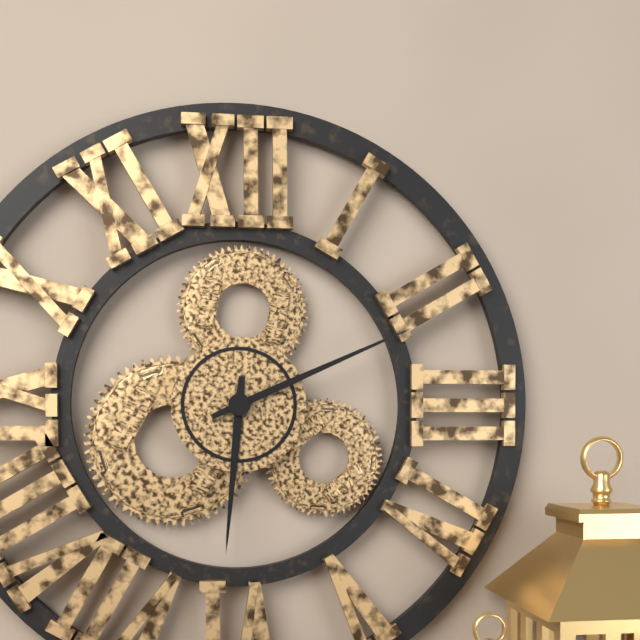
6:11
